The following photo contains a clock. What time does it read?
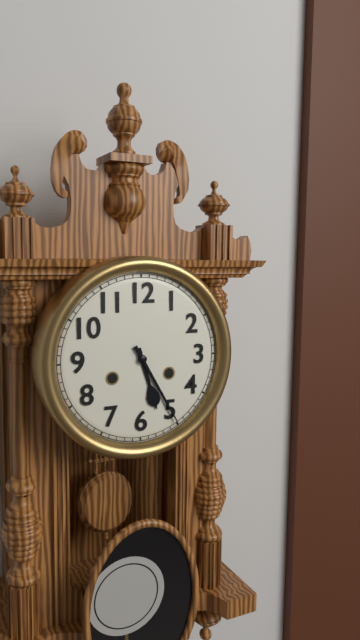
5:25
